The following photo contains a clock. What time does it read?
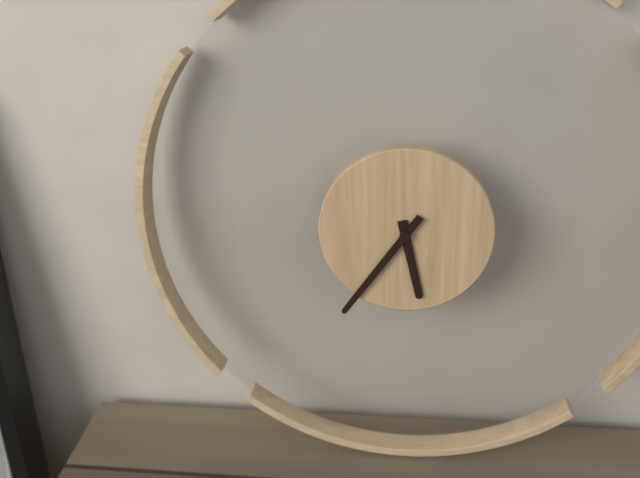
5:36
